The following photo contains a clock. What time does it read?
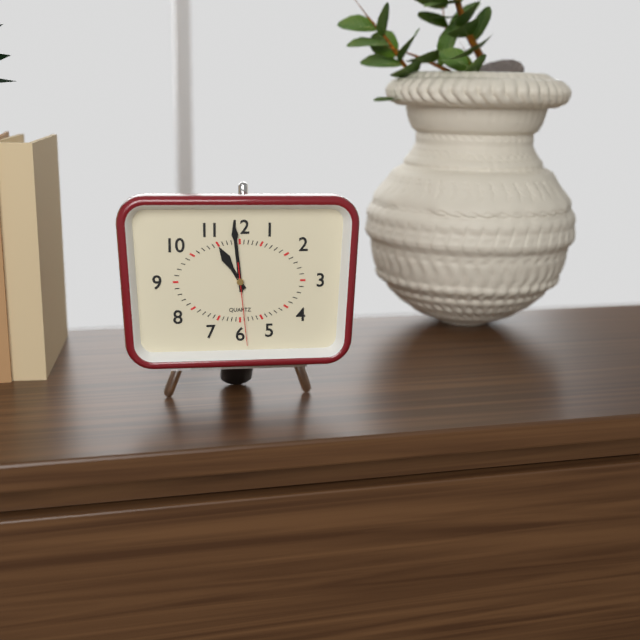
10:59:29
